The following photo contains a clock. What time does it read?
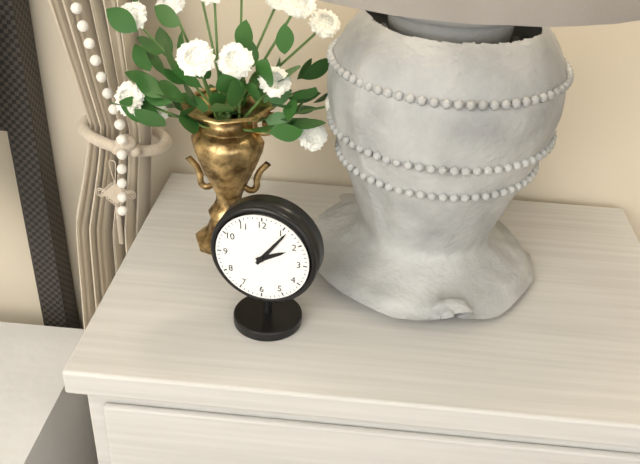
2:06
